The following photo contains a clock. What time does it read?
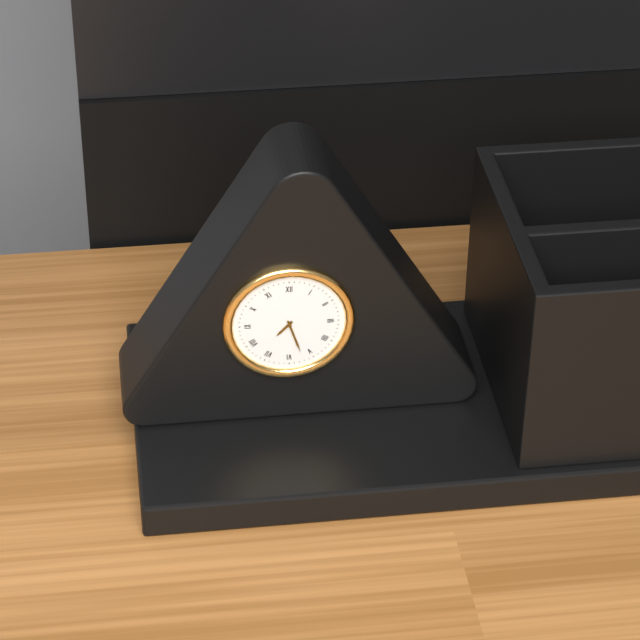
7:27
